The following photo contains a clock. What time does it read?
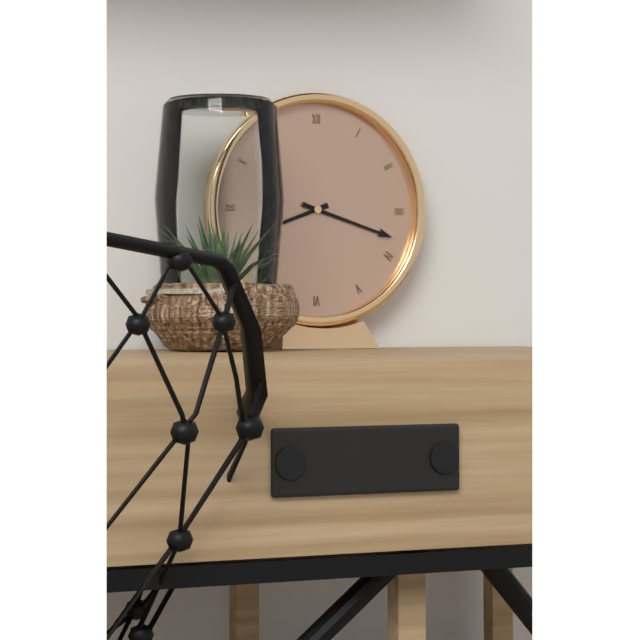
8:18
